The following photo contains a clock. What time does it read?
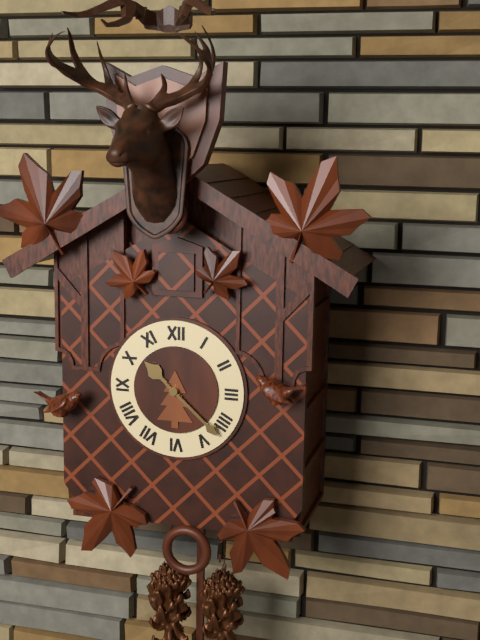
10:22
